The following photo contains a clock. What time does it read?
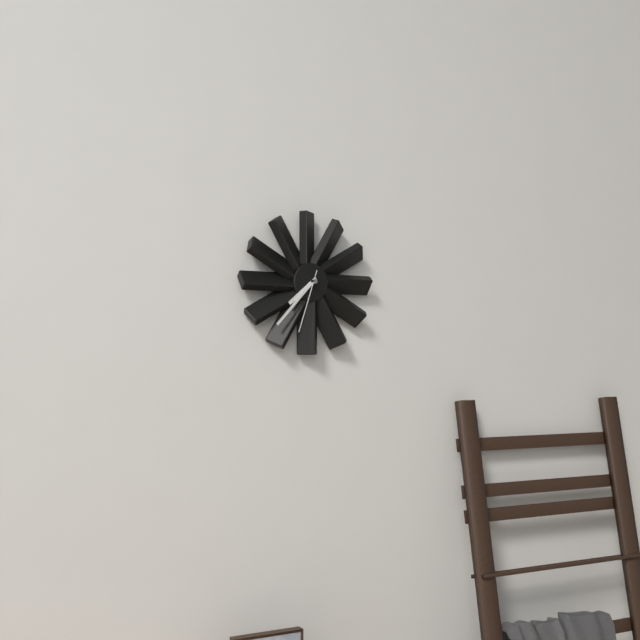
7:37:33
